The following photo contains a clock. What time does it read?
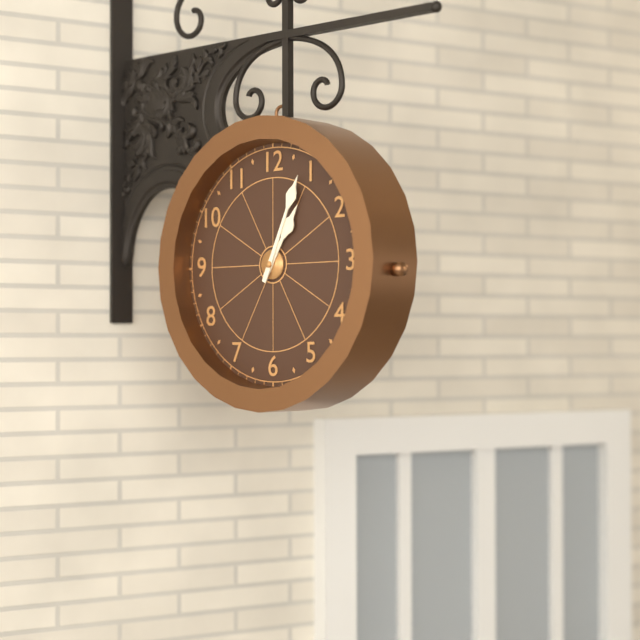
1:04
